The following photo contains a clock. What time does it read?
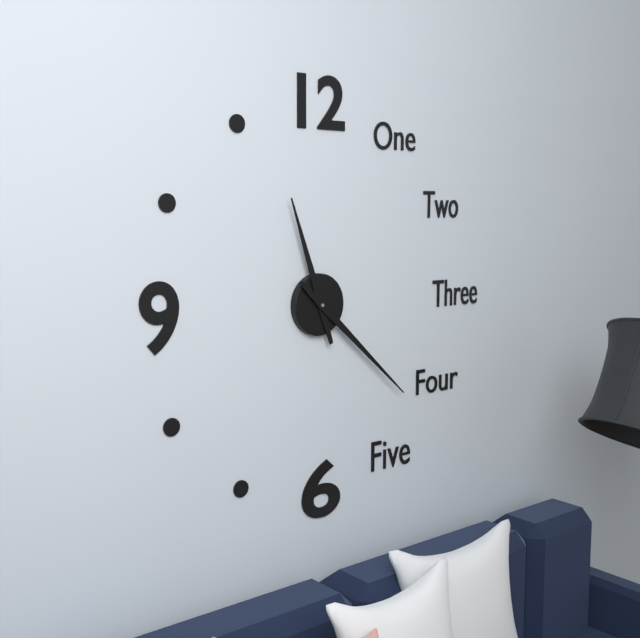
11:22
